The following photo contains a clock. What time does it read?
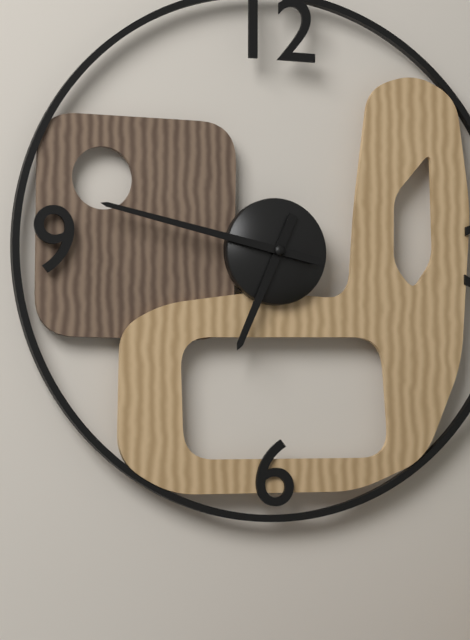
6:47
